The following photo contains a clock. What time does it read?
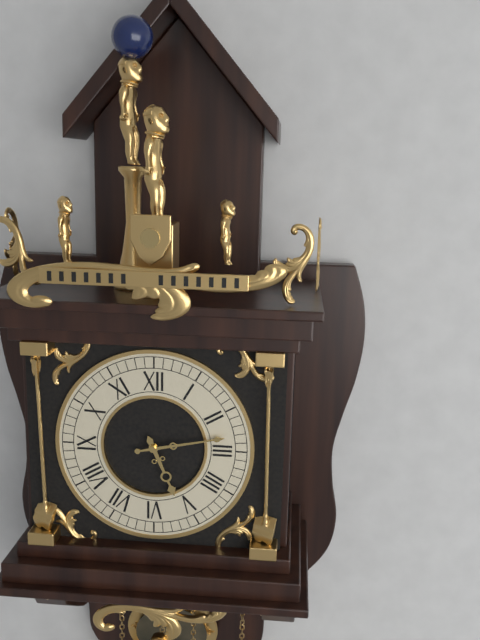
5:13
